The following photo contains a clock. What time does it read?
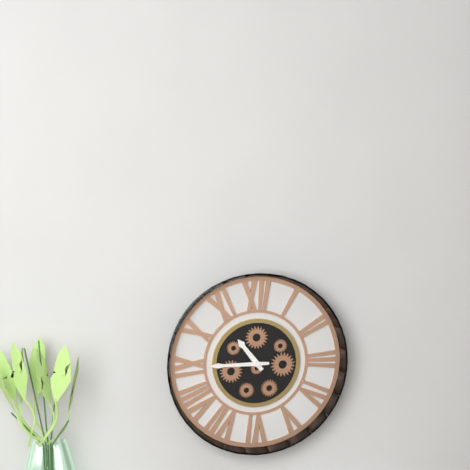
10:45
